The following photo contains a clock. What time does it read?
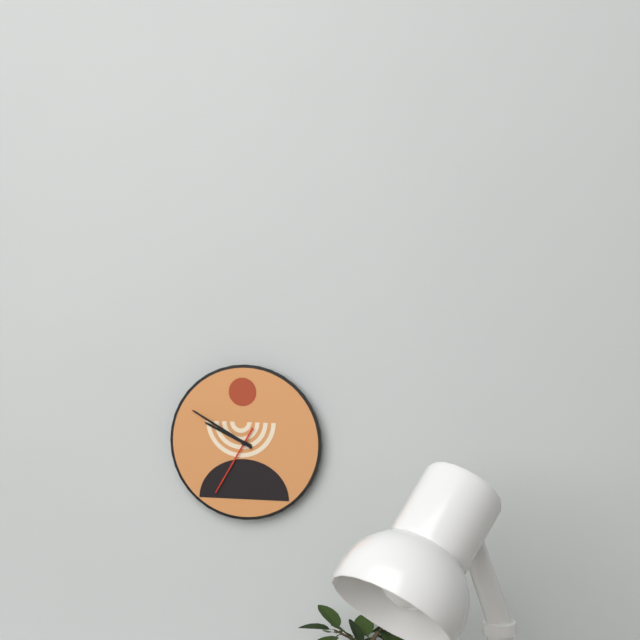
9:50:35
